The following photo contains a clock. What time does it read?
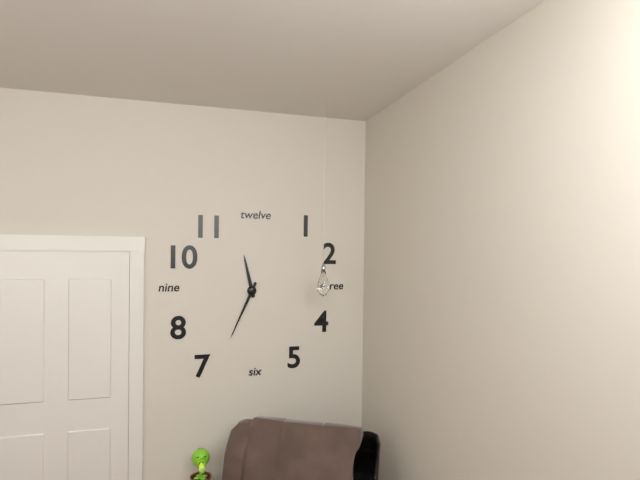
11:34
